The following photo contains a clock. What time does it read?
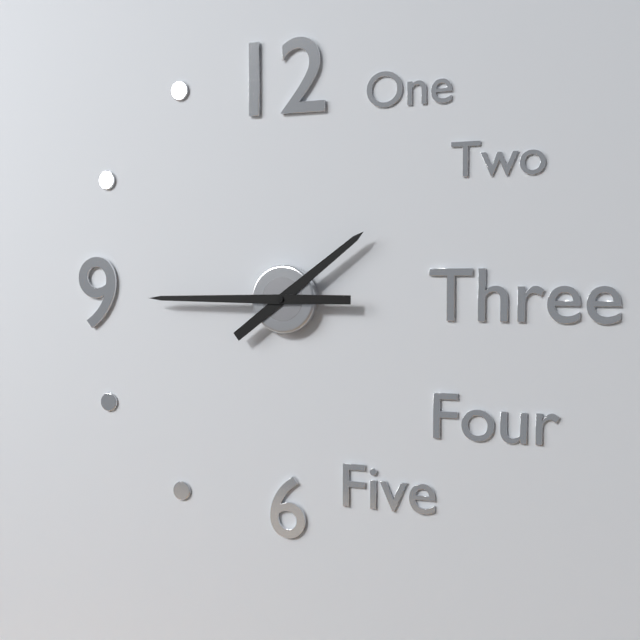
1:45
